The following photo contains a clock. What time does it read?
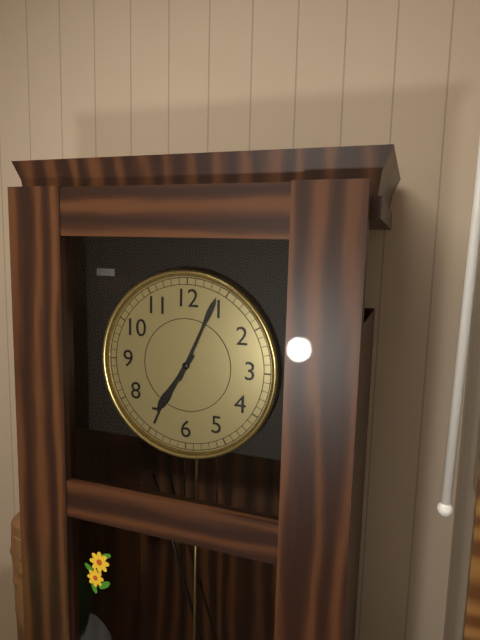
7:04
